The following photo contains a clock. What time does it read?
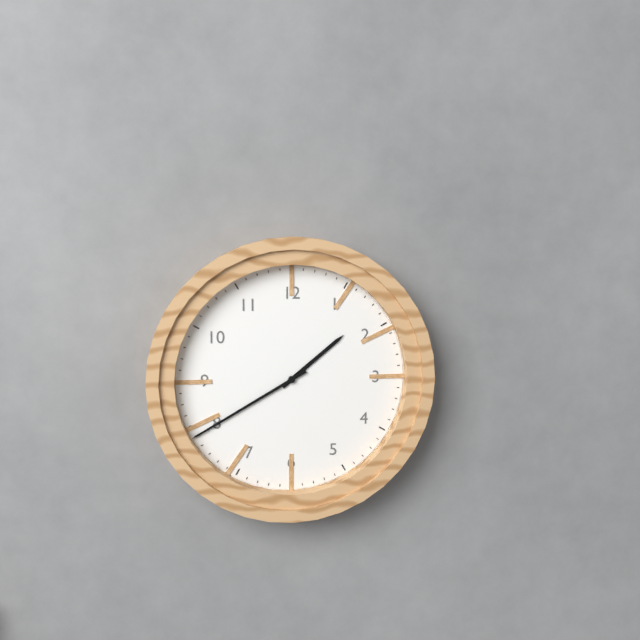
1:40
